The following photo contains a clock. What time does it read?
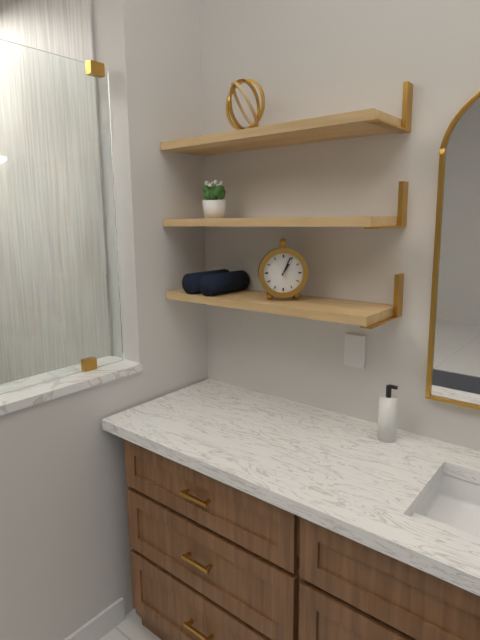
1:04
